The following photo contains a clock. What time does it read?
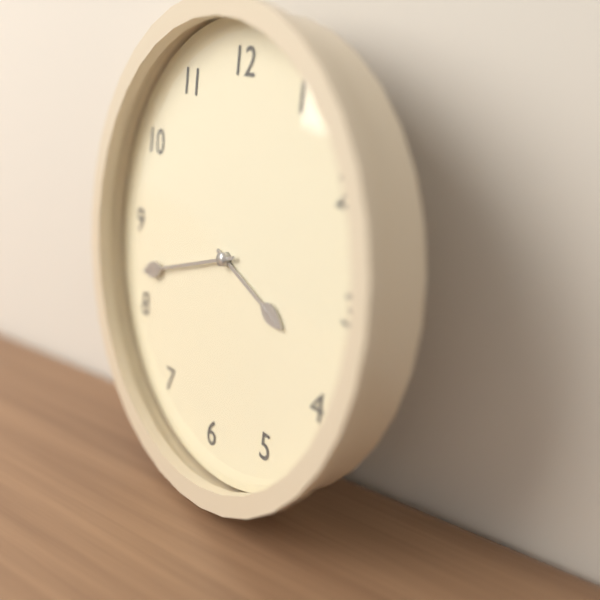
3:42
